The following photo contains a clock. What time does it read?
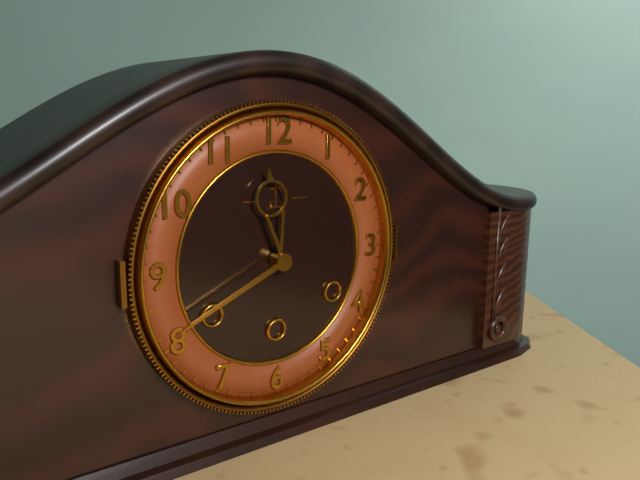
11:41
